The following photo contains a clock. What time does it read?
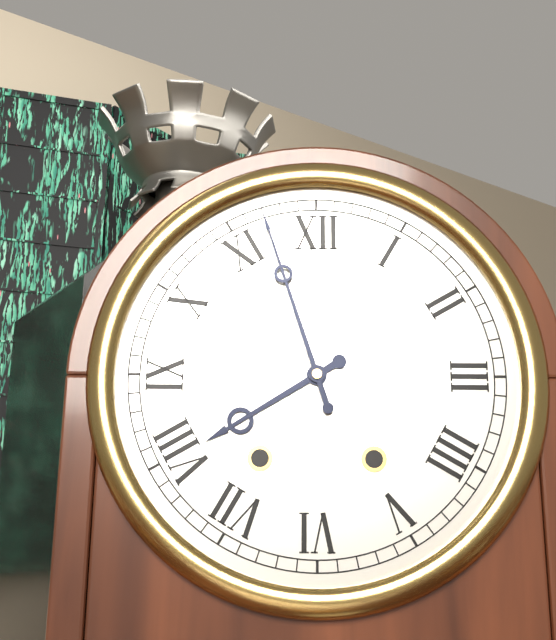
7:57
